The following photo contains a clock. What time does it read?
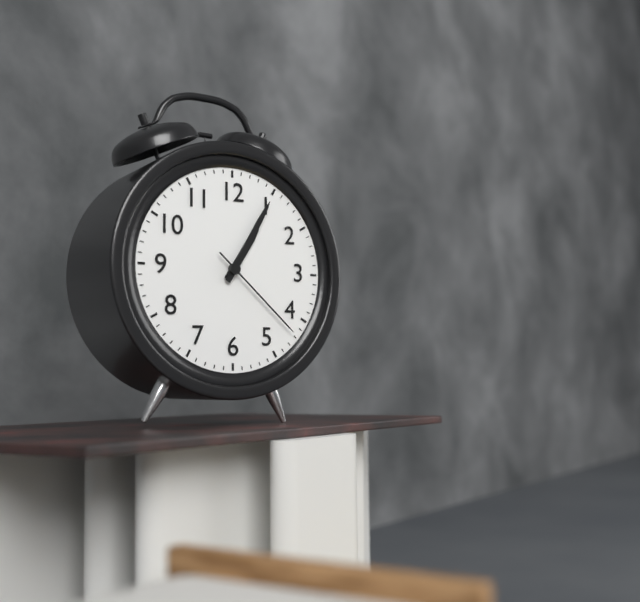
1:05:22
